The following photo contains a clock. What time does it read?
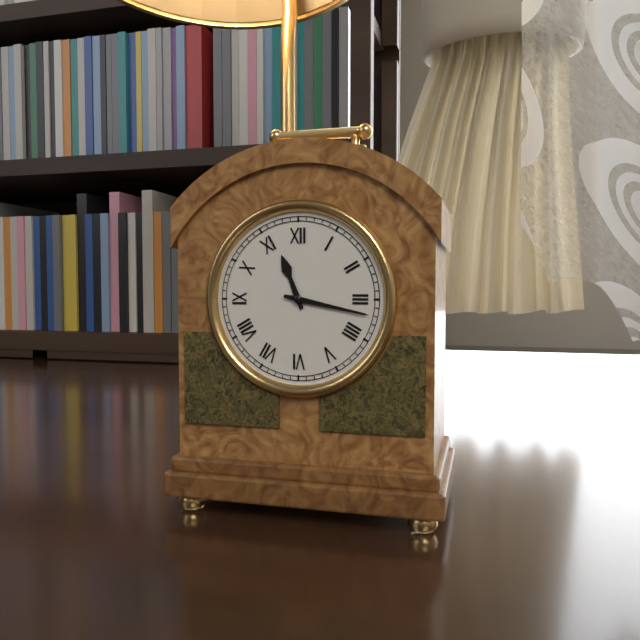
11:17
